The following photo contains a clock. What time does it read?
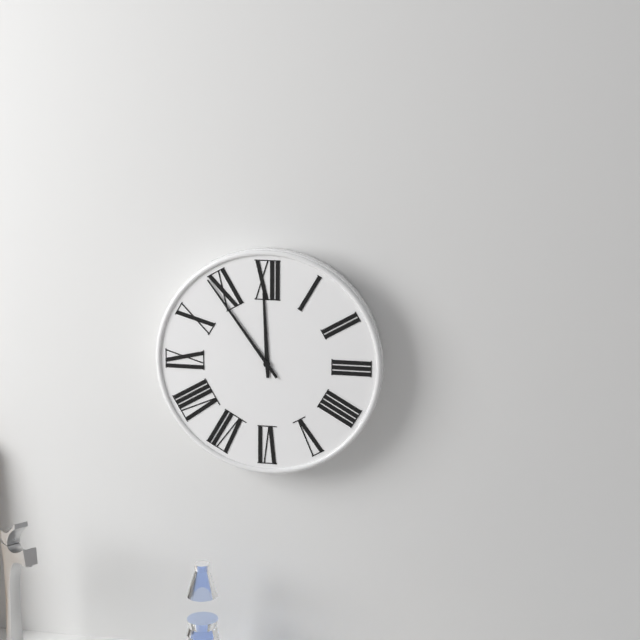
11:54
